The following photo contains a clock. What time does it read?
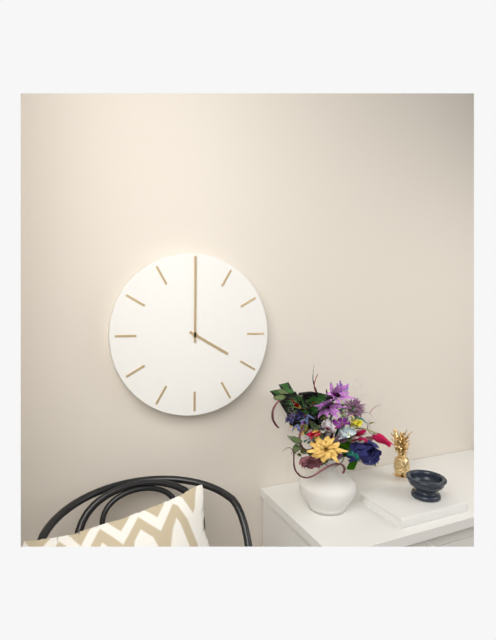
4:00
